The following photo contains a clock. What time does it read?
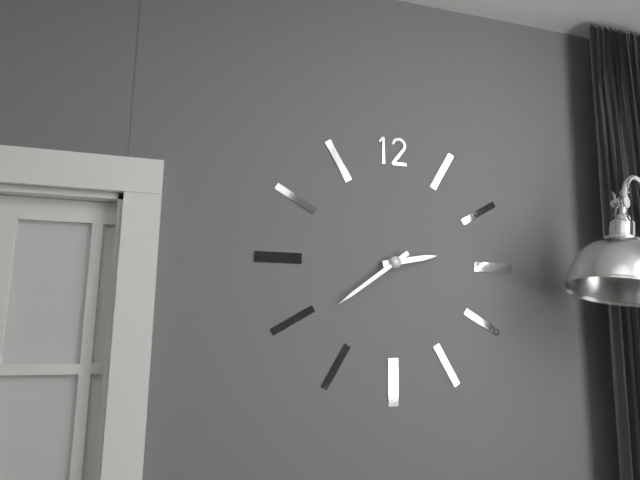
2:39
